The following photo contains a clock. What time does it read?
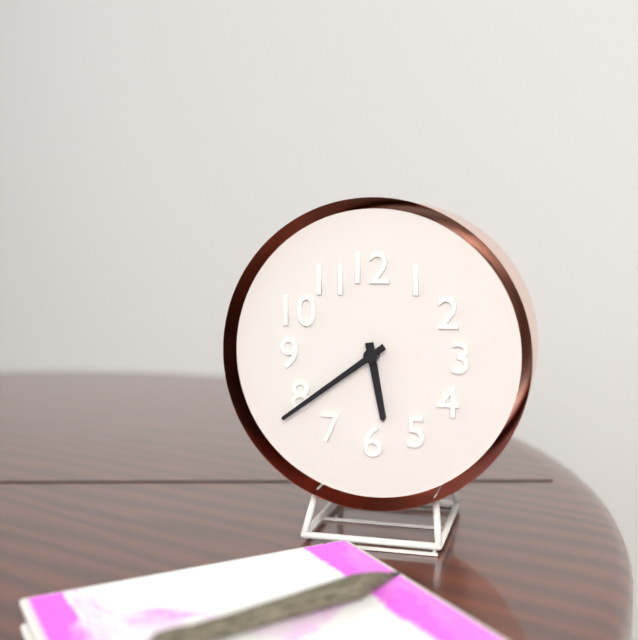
5:39
